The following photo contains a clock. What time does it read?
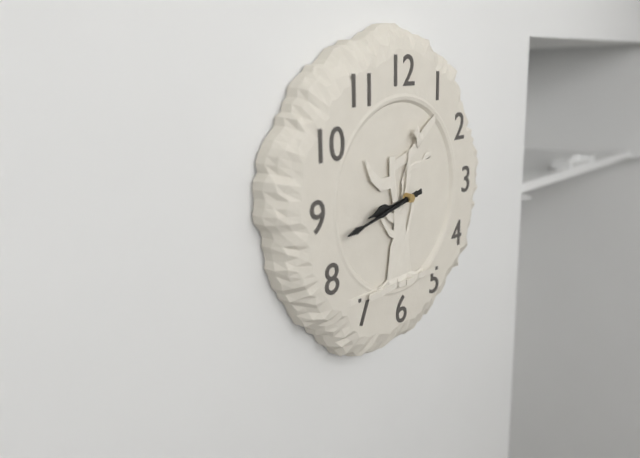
8:43
